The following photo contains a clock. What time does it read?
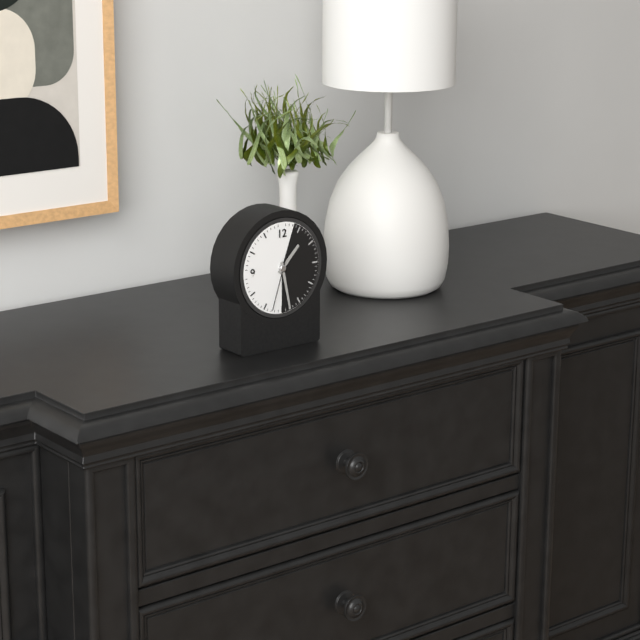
1:28:33
